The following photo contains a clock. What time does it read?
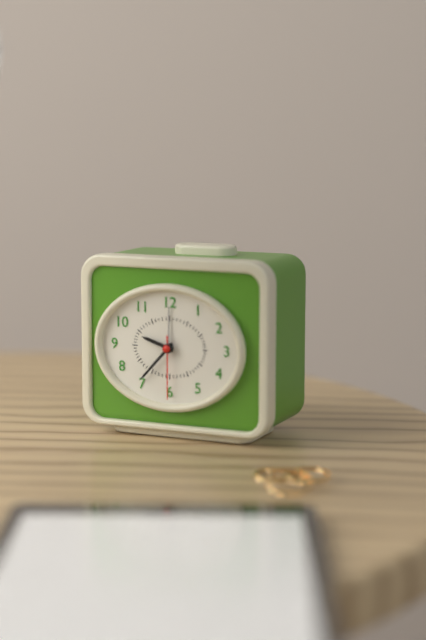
9:37:30
